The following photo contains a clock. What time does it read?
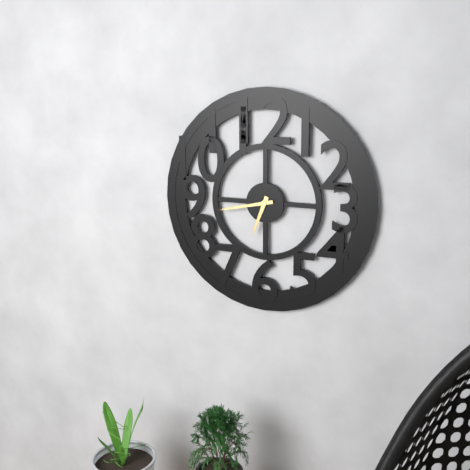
6:43
